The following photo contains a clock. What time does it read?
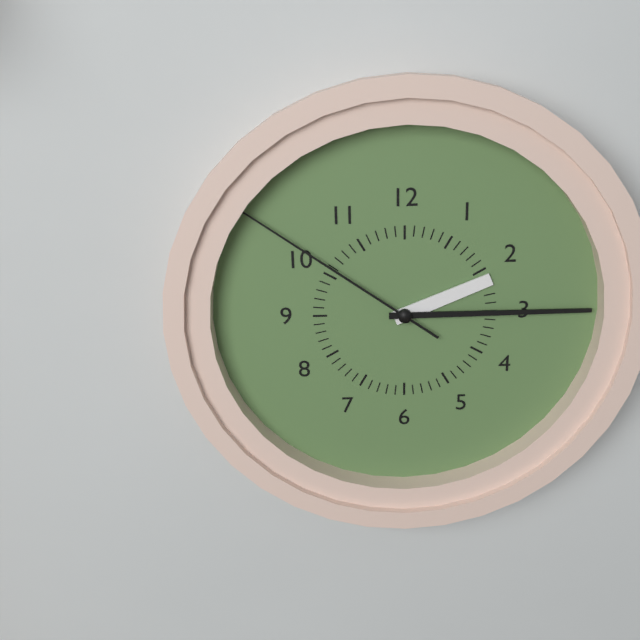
2:15:51
